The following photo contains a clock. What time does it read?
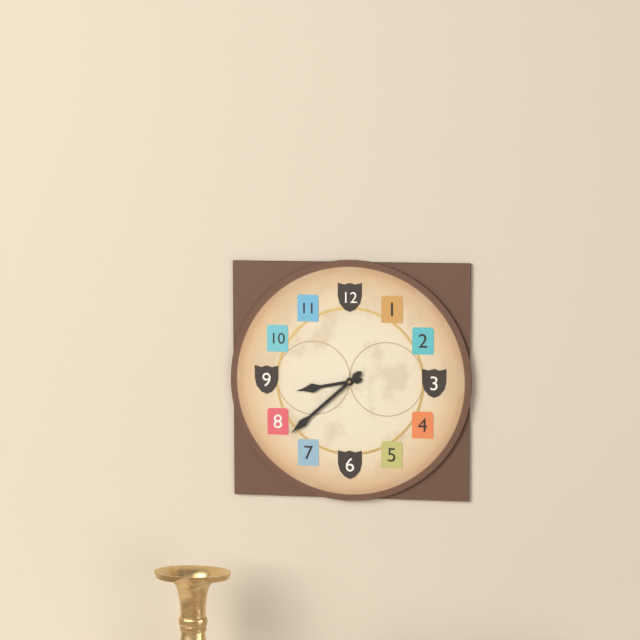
8:38
